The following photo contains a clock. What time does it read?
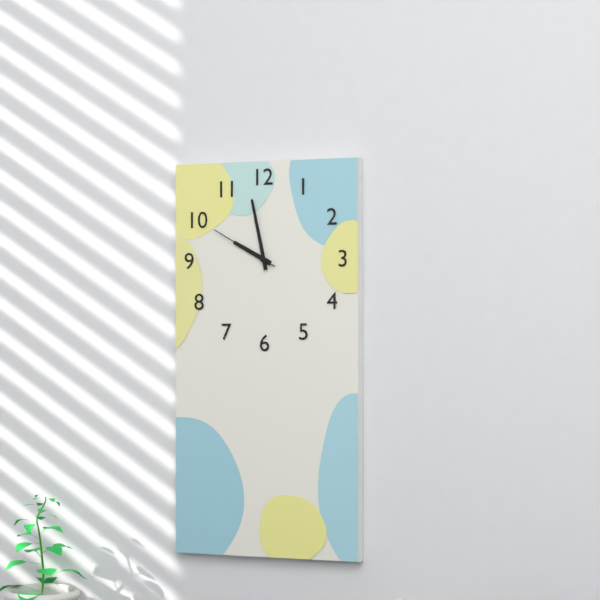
9:58:50
